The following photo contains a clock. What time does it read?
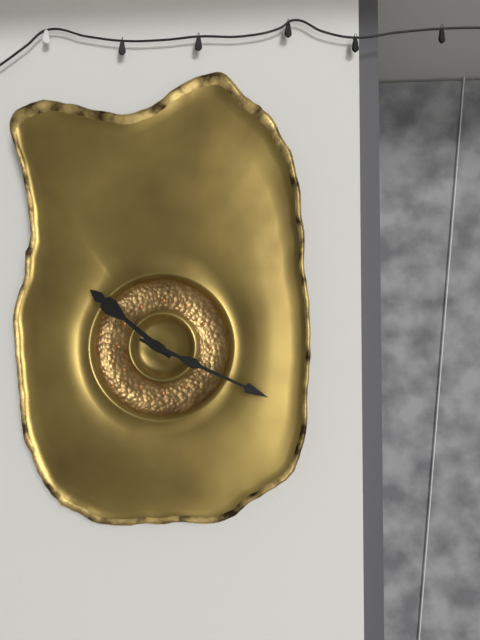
10:19
